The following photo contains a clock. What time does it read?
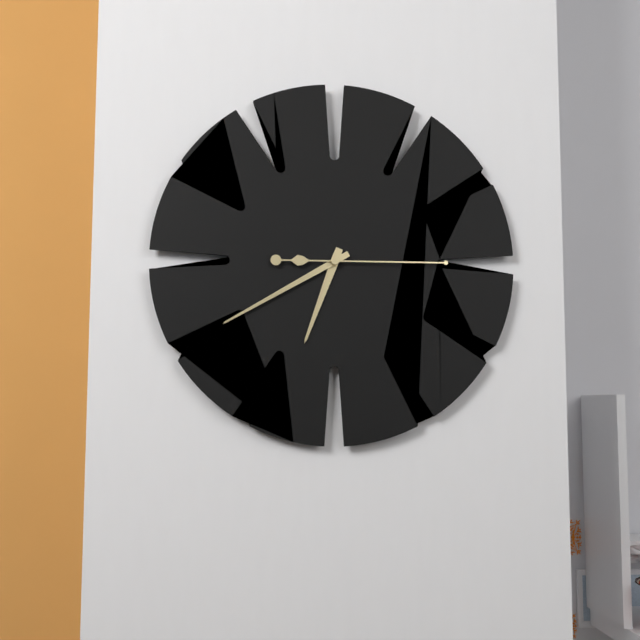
6:40:15
